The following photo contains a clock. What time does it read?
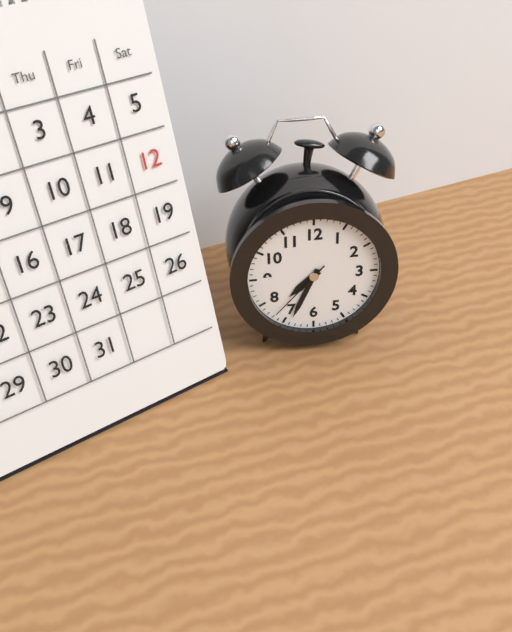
7:34:37
